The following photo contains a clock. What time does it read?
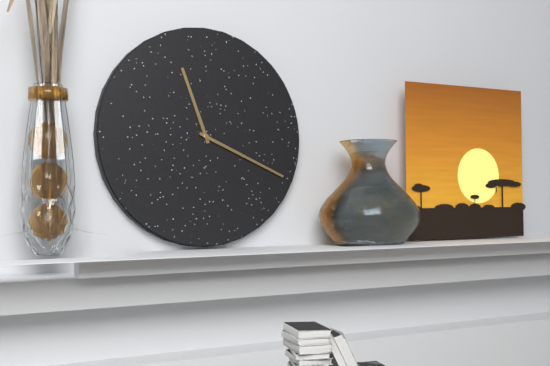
11:19
